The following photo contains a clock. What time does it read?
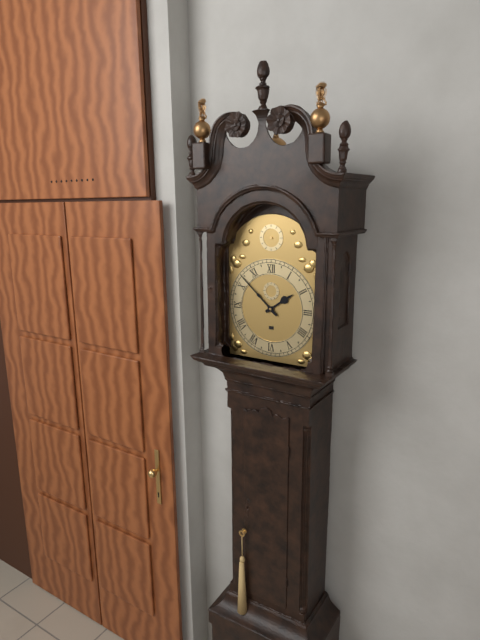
1:52
